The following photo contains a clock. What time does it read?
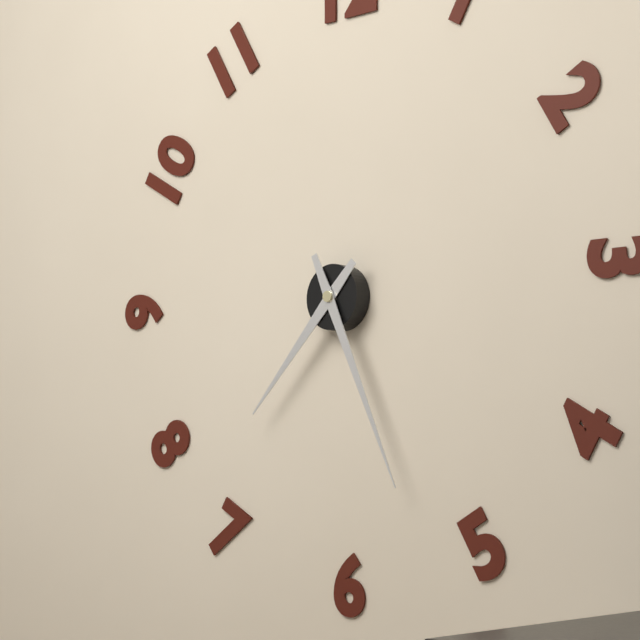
7:26
